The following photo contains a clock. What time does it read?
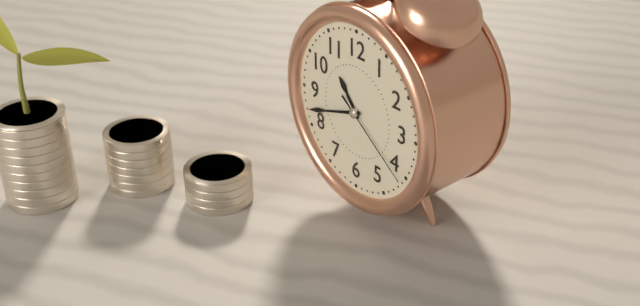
10:42:21
